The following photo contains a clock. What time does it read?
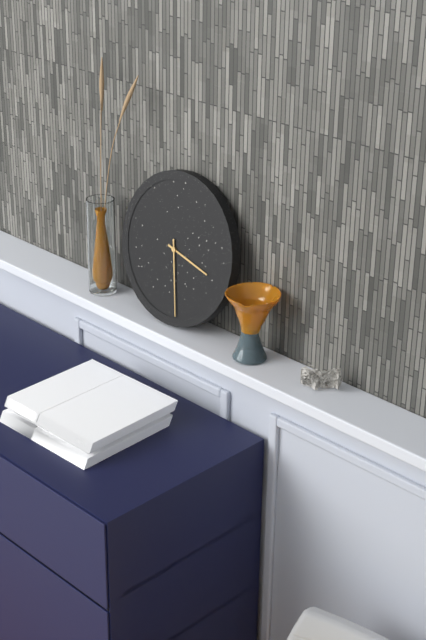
3:28
